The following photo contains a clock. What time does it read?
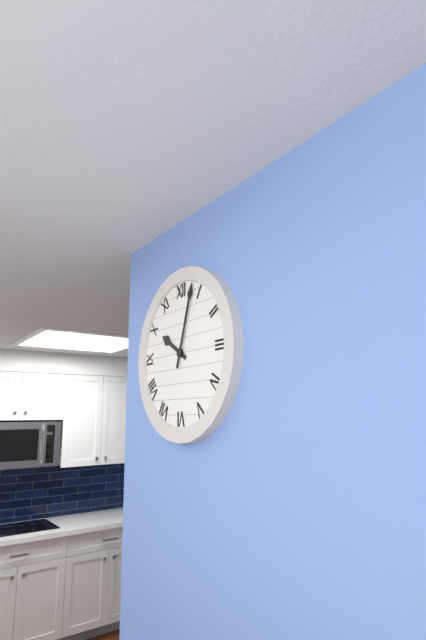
10:03
